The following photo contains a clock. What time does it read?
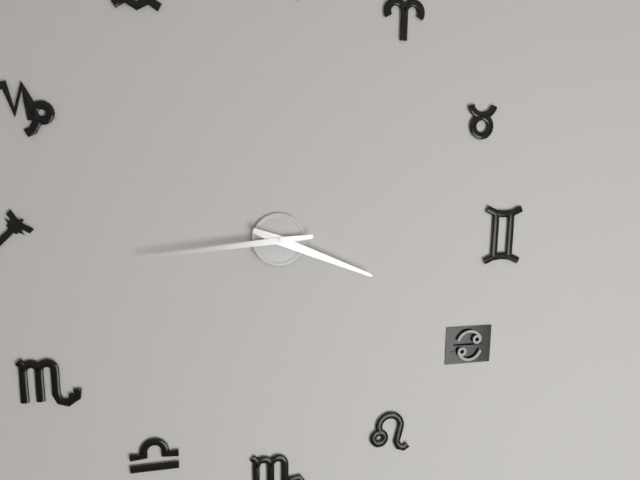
3:44
